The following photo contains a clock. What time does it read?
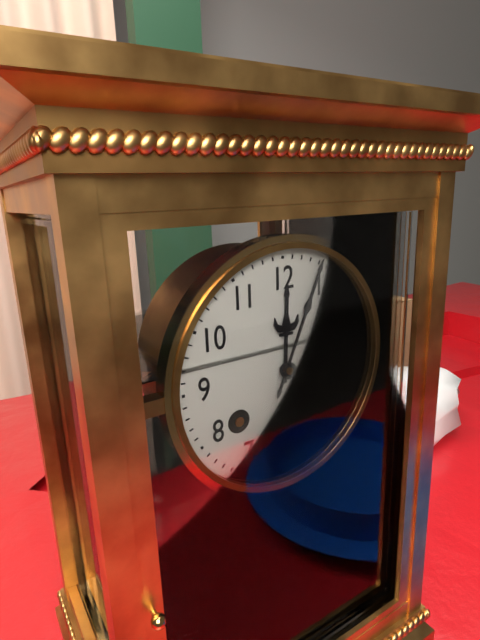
12:04
